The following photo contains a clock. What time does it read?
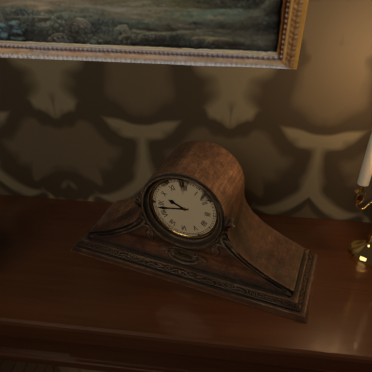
9:43
